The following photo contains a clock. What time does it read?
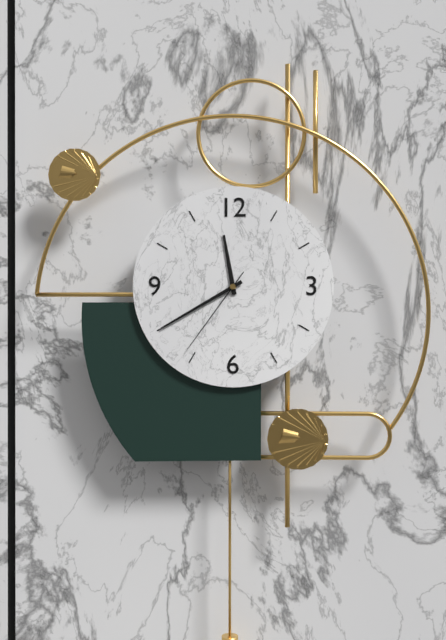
11:40:36
